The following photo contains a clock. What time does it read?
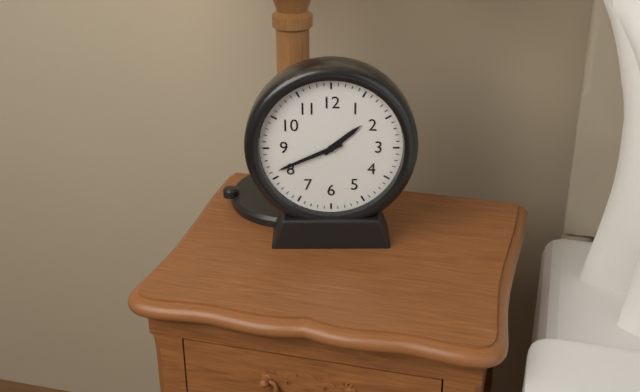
1:41
